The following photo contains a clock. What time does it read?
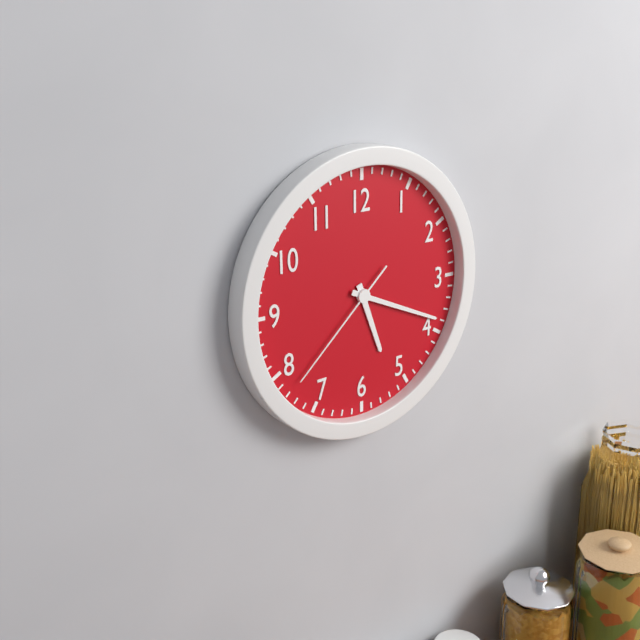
5:19:38
